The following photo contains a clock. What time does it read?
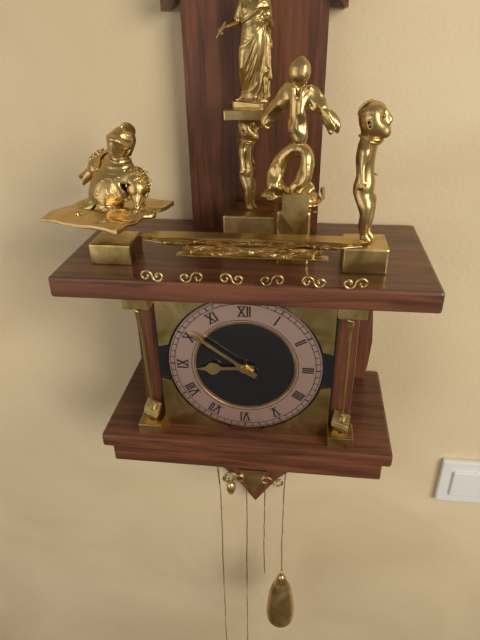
8:51
